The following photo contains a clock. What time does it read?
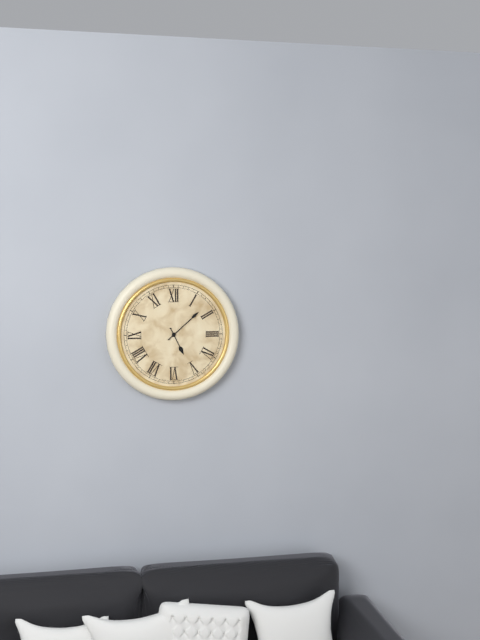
5:08
